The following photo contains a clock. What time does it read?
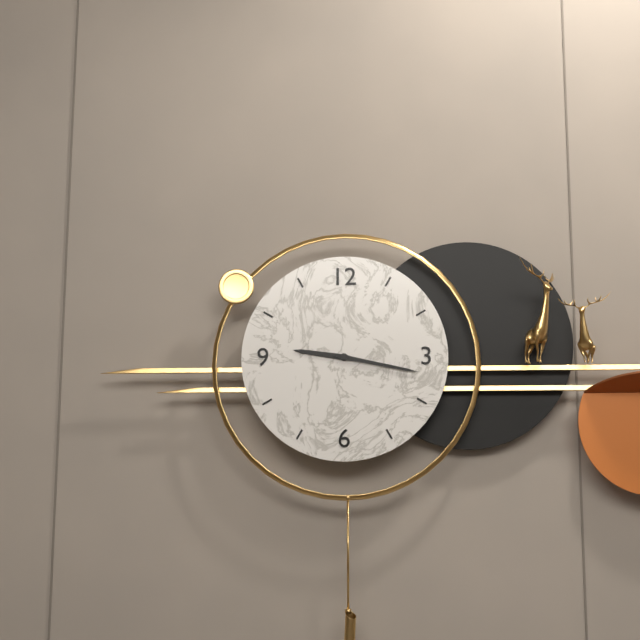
9:17
